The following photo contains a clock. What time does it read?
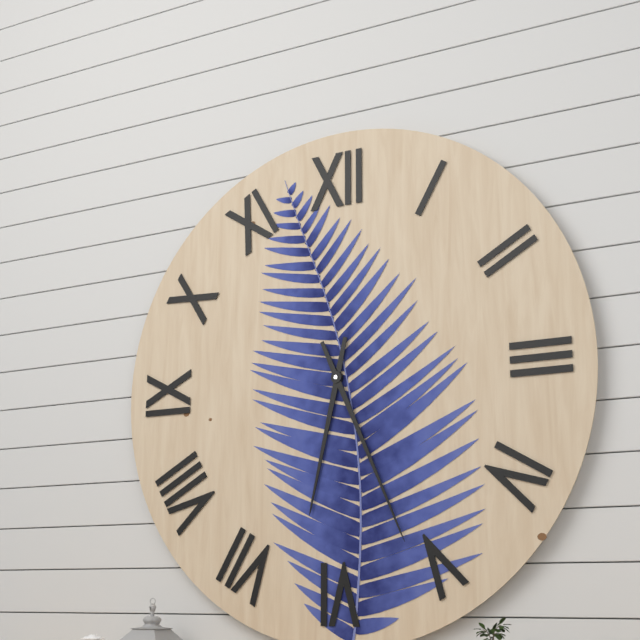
6:26
